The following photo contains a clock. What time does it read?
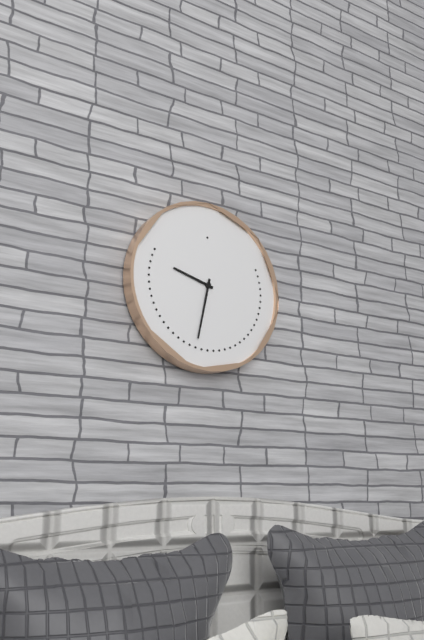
9:32
